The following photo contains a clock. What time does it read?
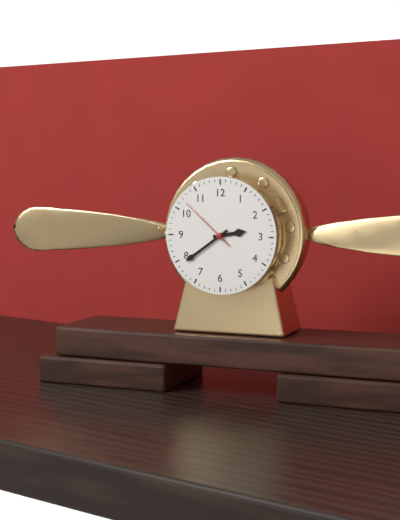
2:39:52
